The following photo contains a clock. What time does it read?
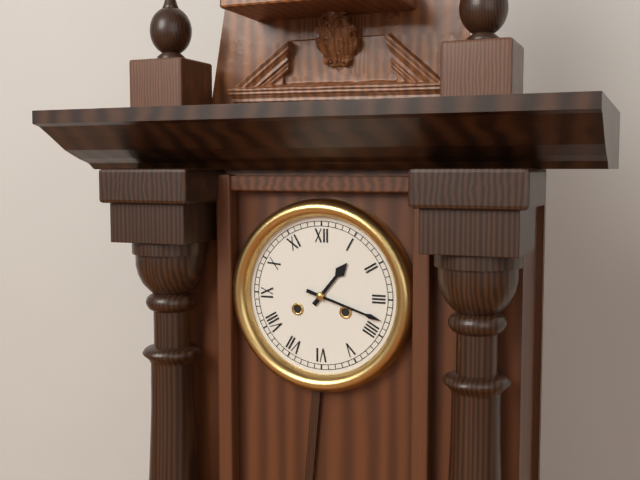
1:18
